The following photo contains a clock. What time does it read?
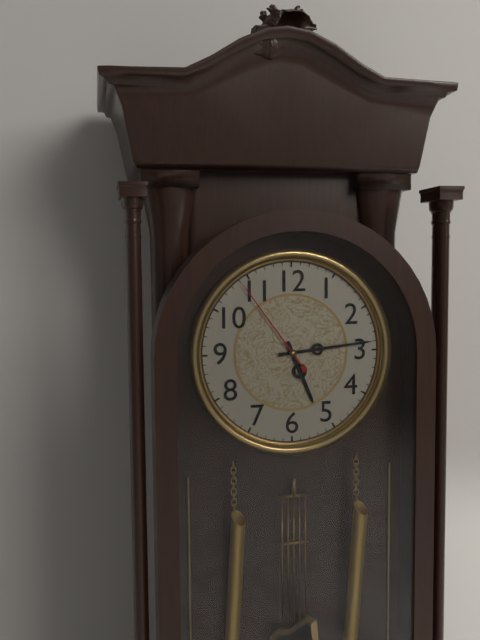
5:14:54
